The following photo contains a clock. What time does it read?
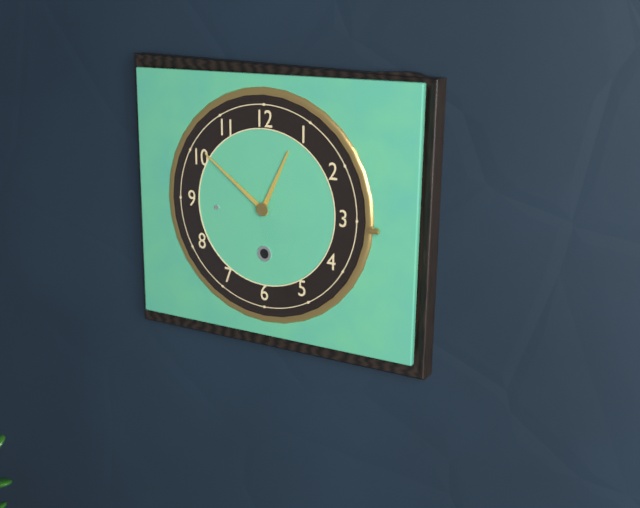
12:51
